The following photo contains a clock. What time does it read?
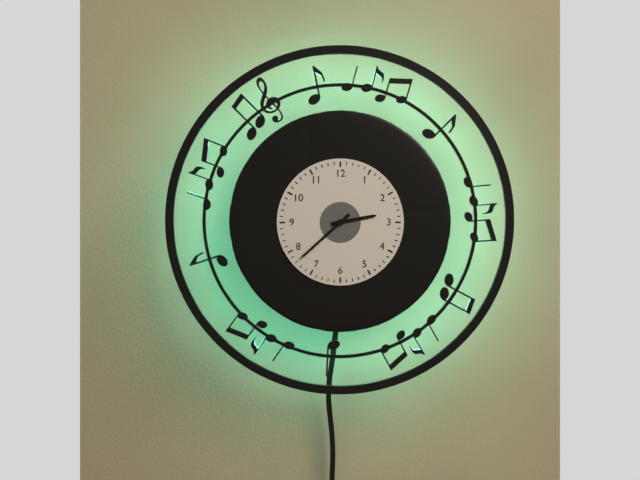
2:38
